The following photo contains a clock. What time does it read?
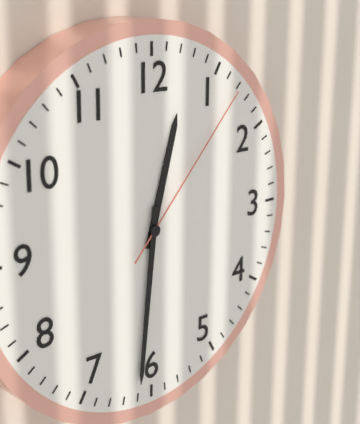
12:31:07
